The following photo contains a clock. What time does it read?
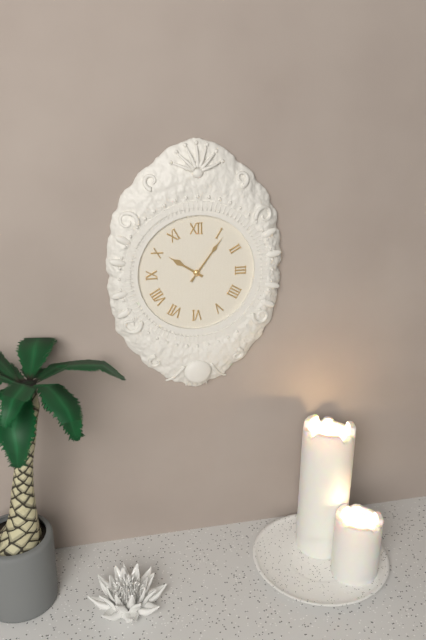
10:06
